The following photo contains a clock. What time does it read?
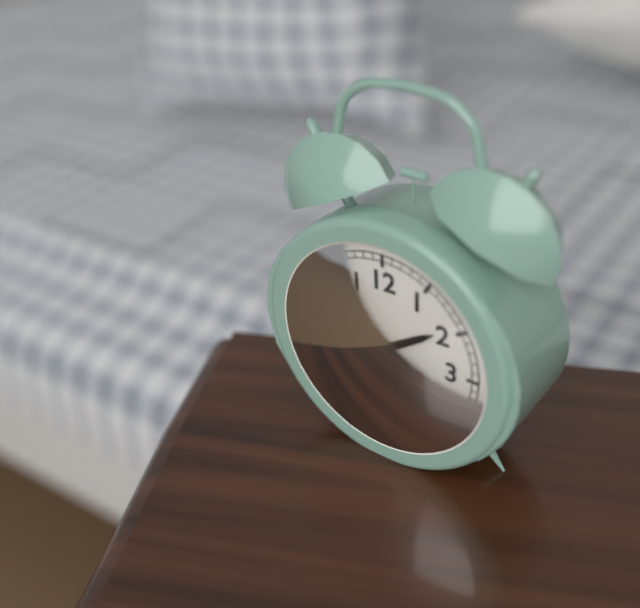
1:53:25
